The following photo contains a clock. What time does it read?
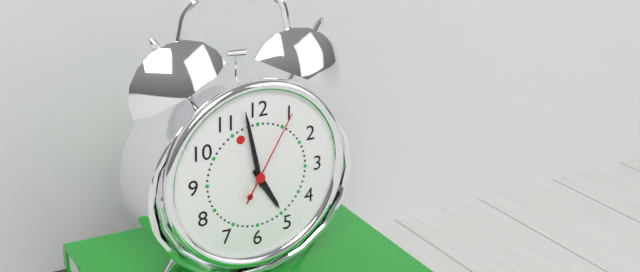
4:58:05
